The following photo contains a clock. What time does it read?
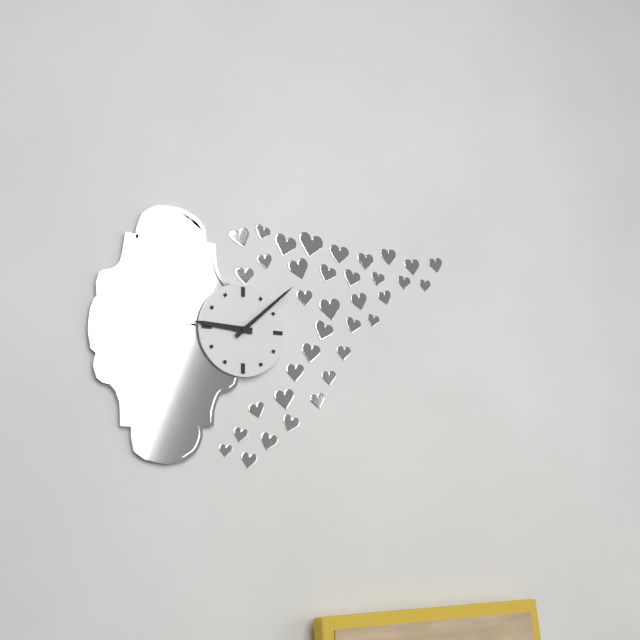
9:08
